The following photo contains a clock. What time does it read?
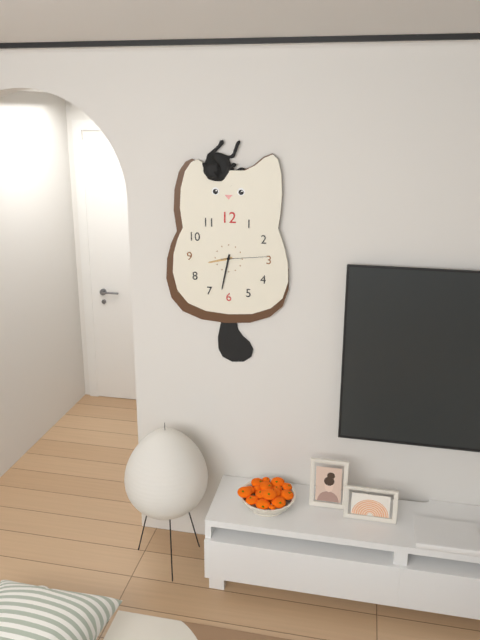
8:32
